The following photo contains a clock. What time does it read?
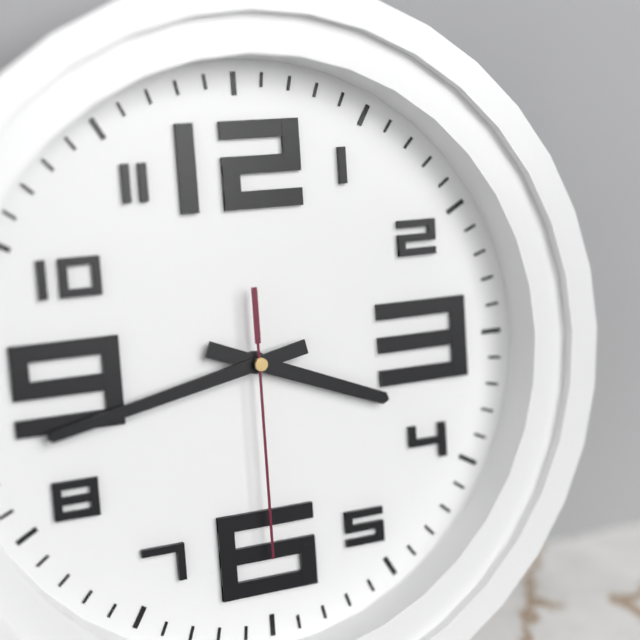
3:43:30
